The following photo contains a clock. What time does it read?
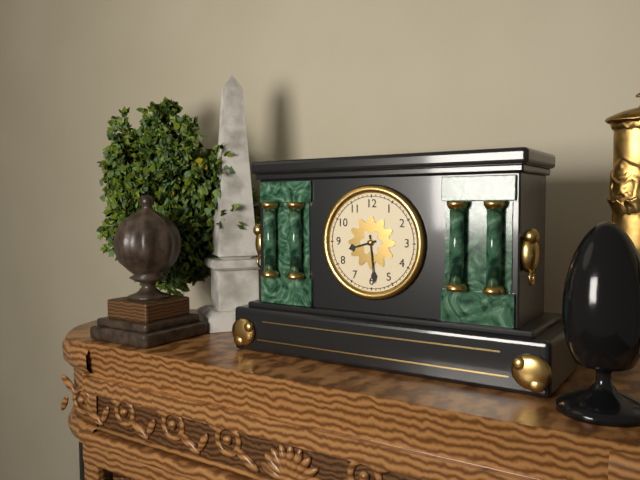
8:29
